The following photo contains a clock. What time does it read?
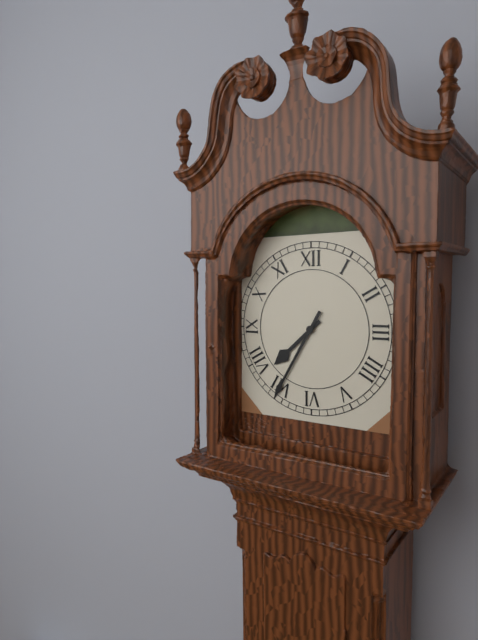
7:35
